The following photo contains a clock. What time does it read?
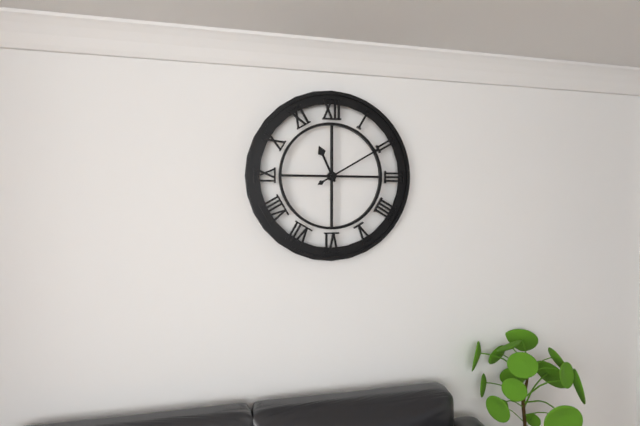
11:10
